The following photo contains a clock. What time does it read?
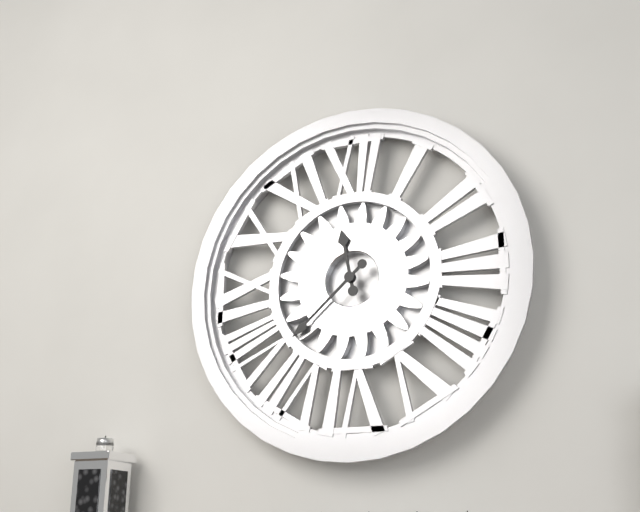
11:38
